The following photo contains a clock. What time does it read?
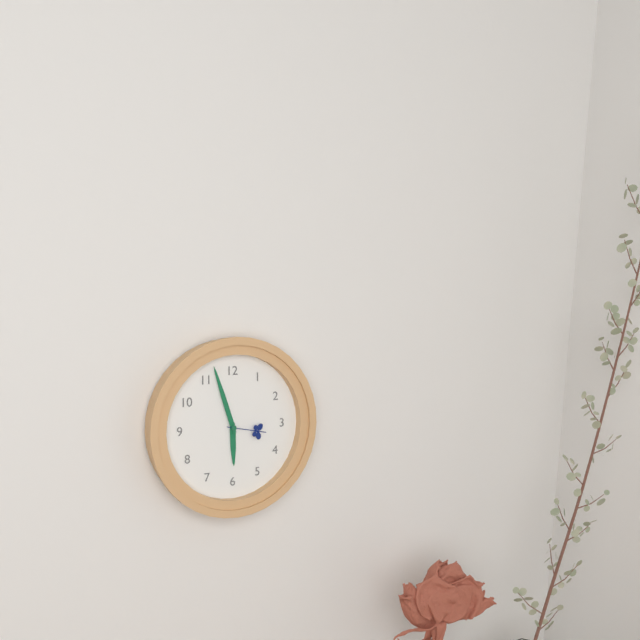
5:57
